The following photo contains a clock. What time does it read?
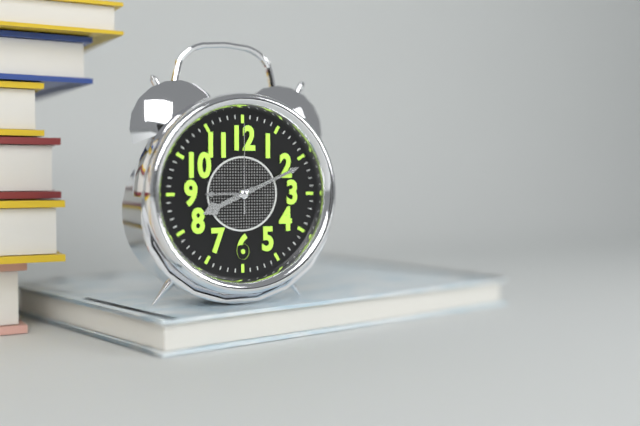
8:11:00
